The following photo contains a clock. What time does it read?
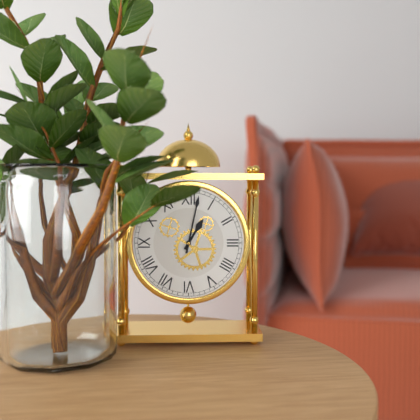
1:02
